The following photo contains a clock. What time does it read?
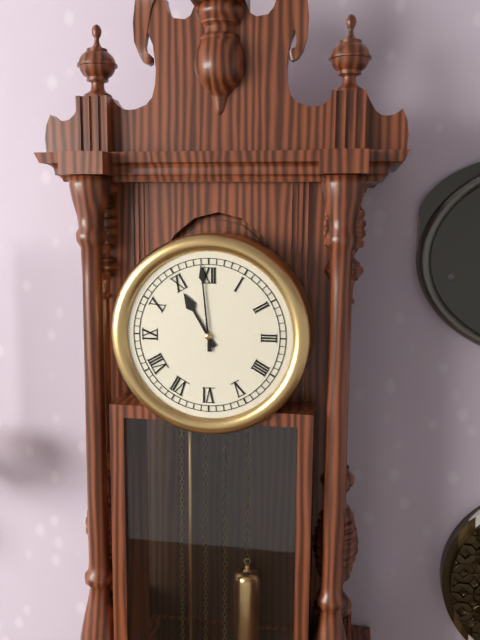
10:59
